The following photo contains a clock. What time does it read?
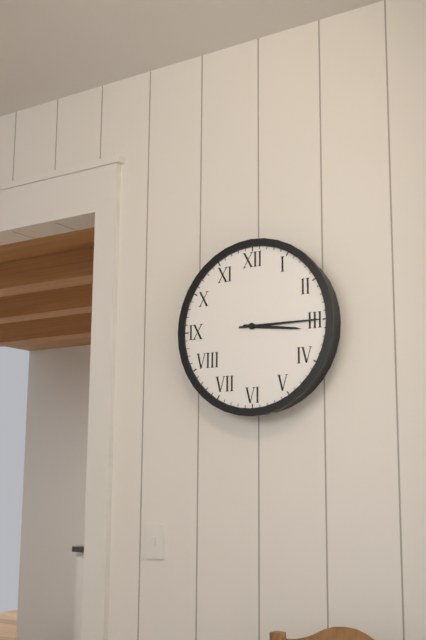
3:15
